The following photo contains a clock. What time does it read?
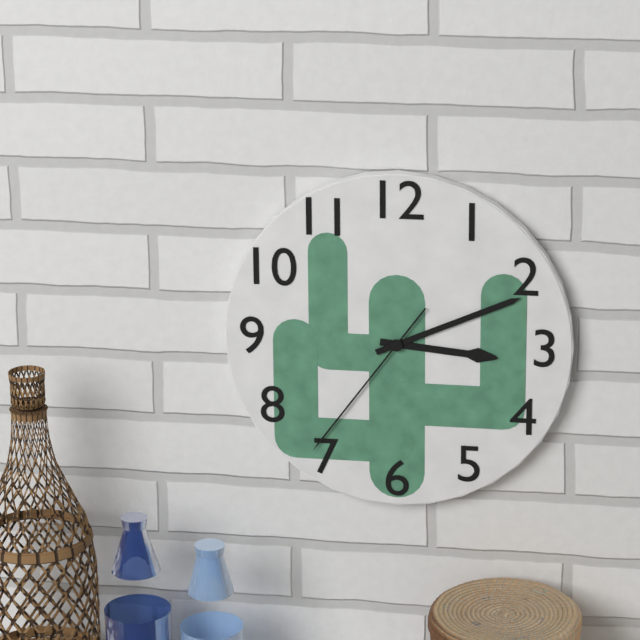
3:11:36
